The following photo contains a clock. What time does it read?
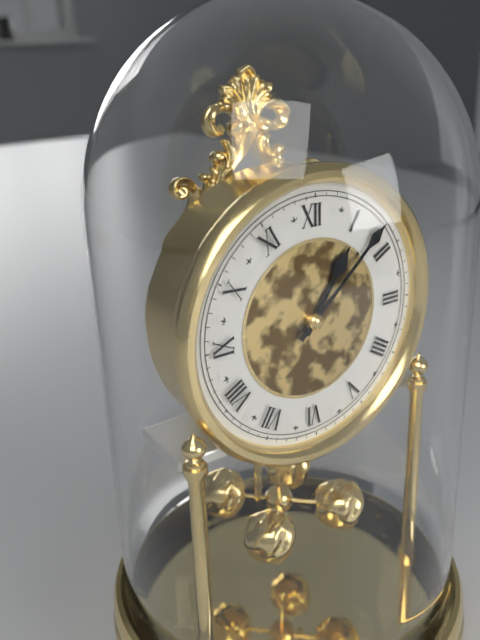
1:08
